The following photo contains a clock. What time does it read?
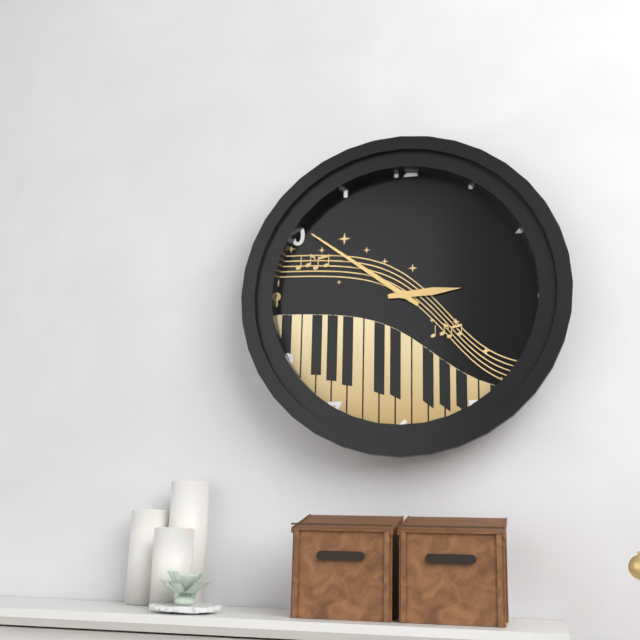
2:51
